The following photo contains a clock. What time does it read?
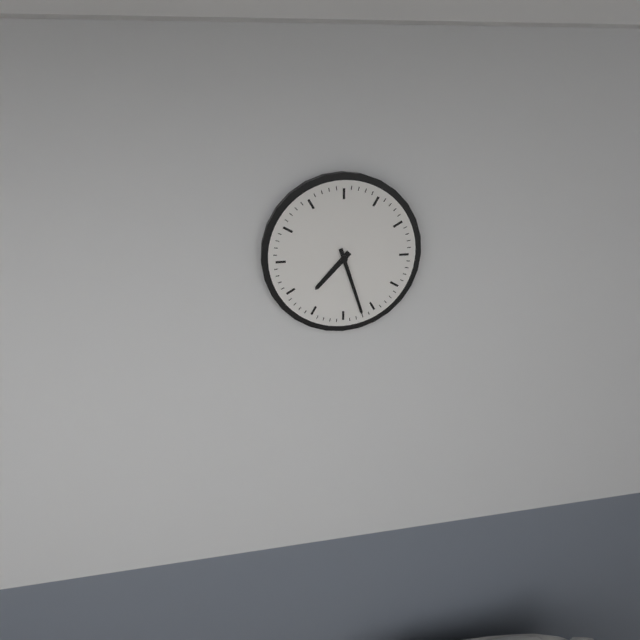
7:27
